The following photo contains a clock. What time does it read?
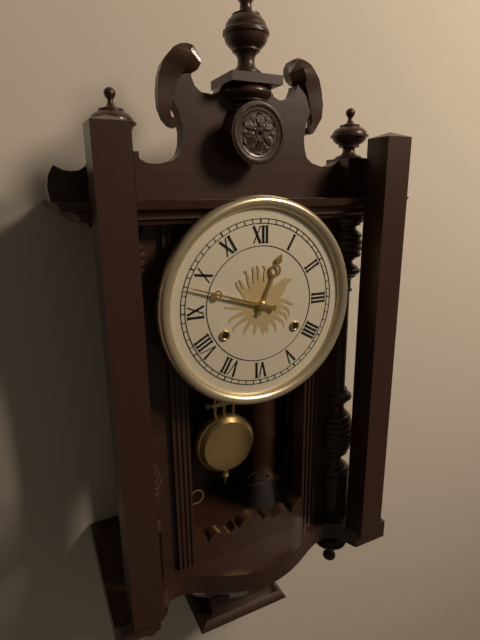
12:48
